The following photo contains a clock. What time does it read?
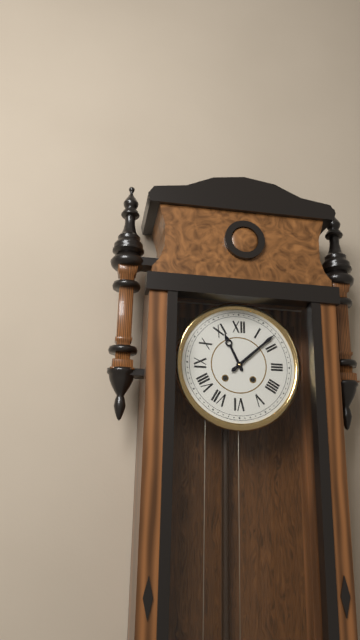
11:08
